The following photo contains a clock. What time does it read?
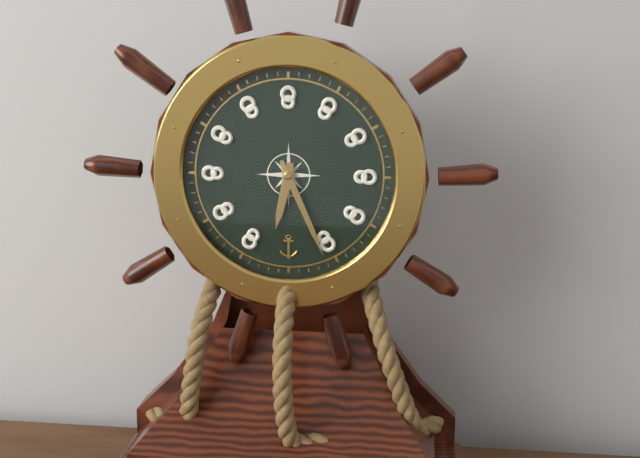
6:26
